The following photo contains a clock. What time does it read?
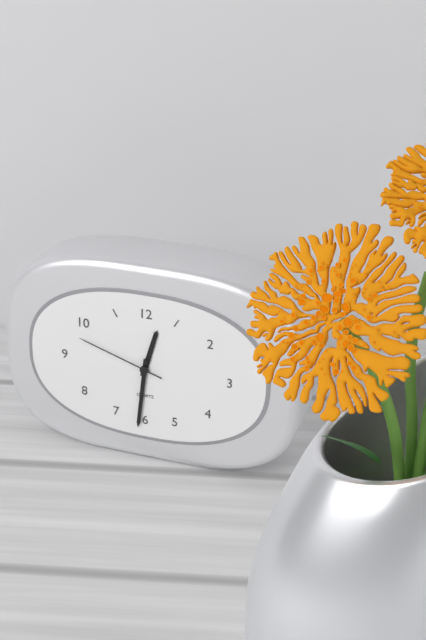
12:31:48
